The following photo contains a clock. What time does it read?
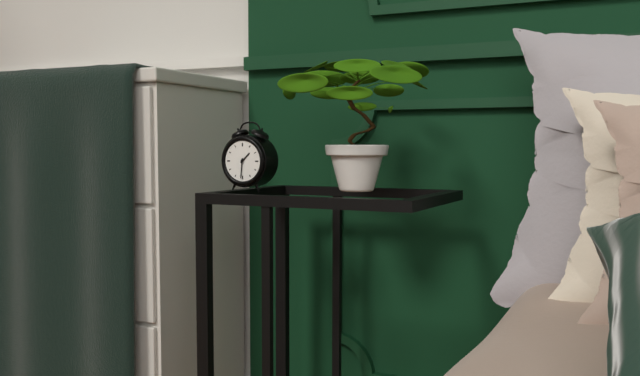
1:31
